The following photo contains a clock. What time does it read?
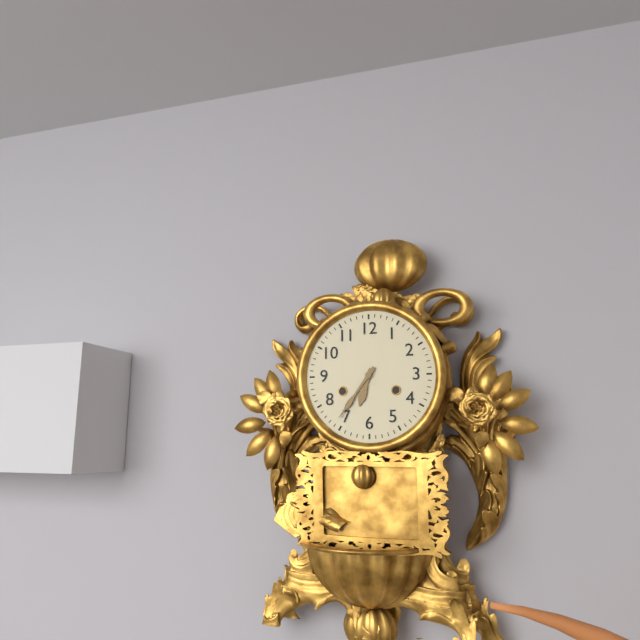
6:36
